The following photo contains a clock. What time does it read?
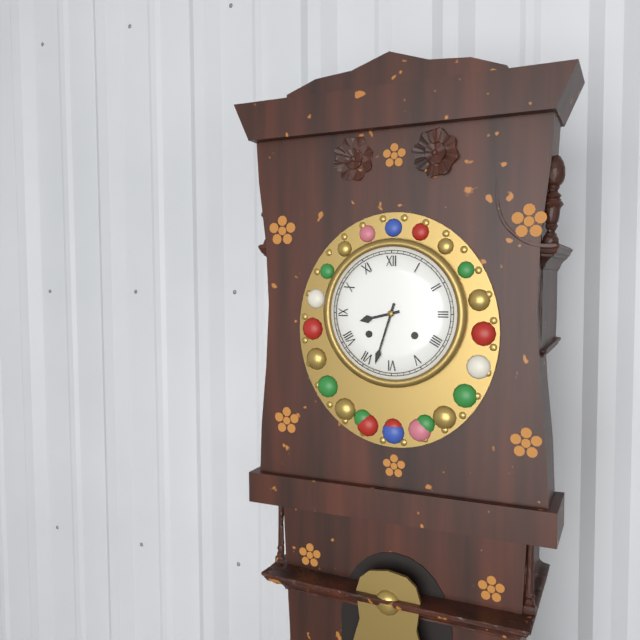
8:33
